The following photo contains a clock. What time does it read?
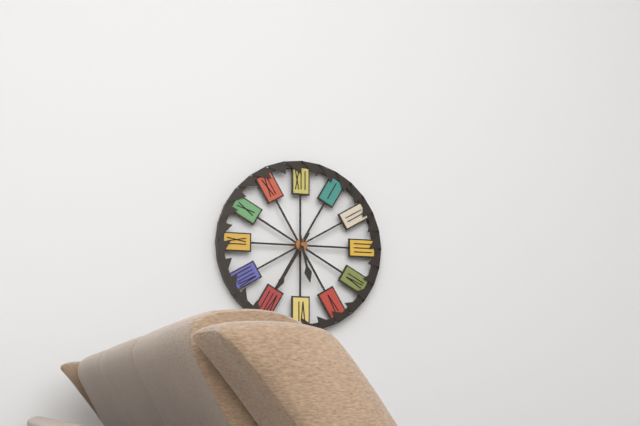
5:35
